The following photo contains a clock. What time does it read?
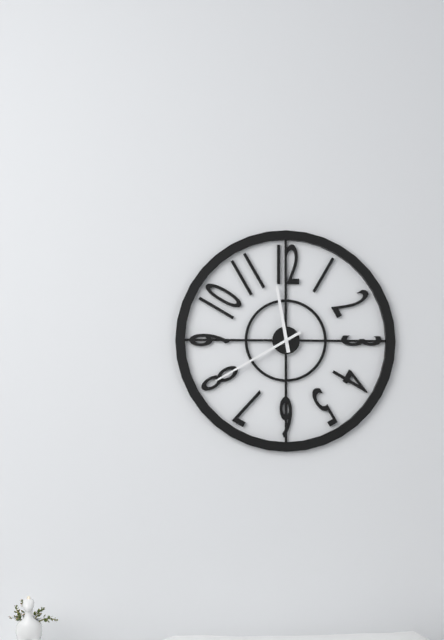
11:40
